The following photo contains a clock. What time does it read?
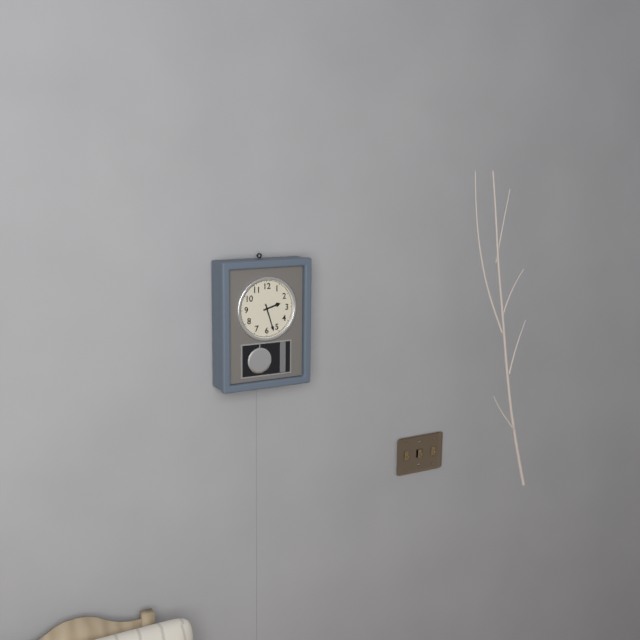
2:27
